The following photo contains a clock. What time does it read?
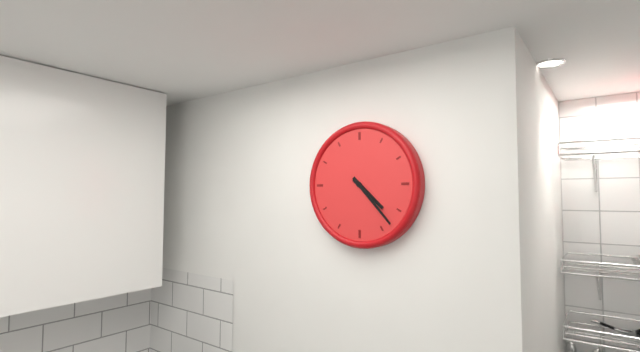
4:23
